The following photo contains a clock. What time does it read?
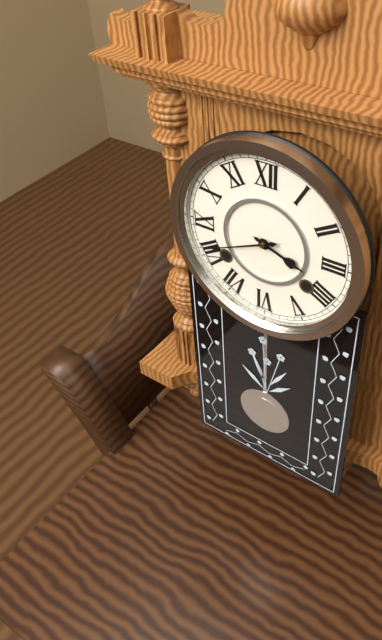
3:41
